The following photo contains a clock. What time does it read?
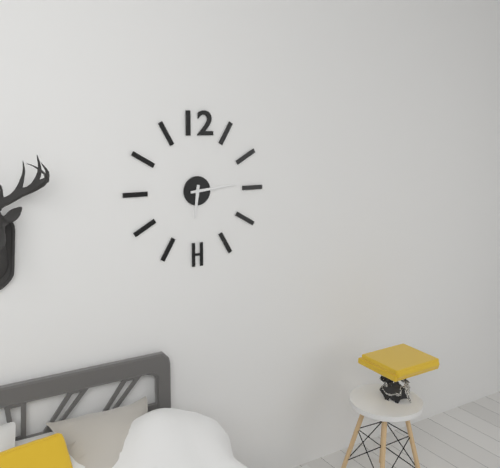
6:14
